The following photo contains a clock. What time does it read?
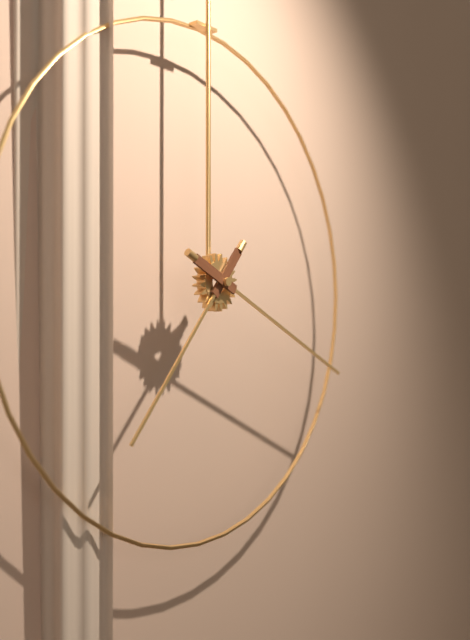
7:19
